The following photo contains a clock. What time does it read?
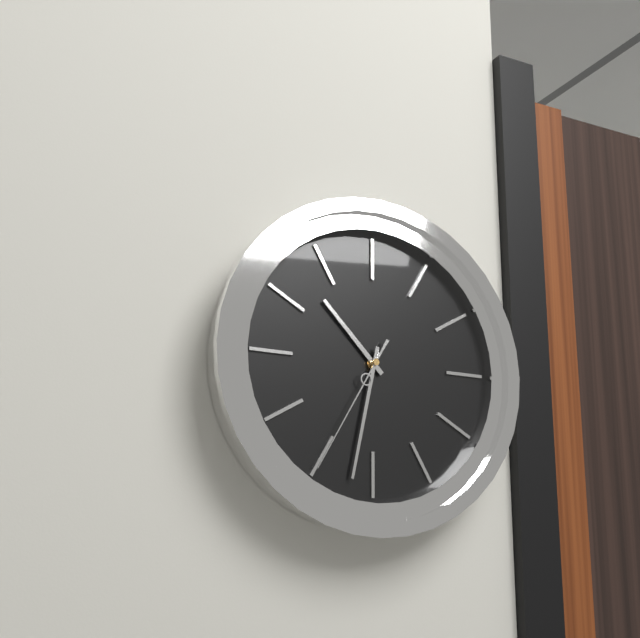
10:32:35
